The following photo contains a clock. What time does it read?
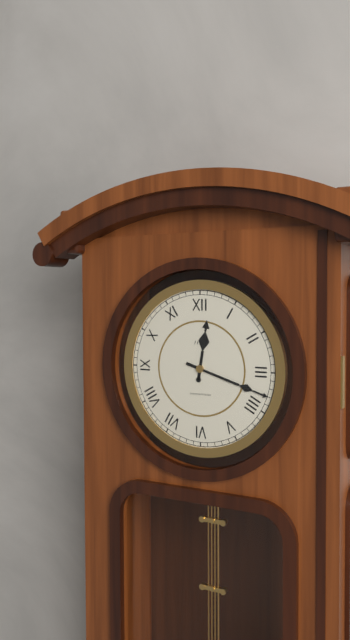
12:18
